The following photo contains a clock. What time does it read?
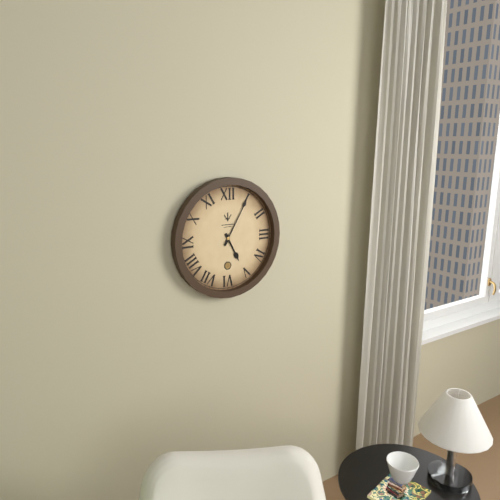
5:05
